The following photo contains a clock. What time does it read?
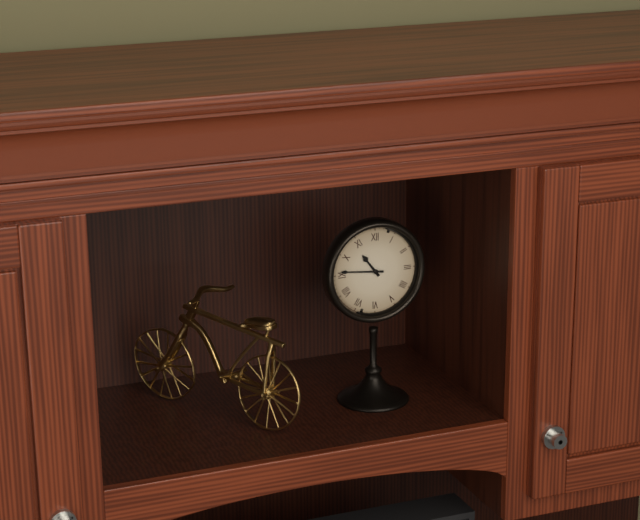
10:46
